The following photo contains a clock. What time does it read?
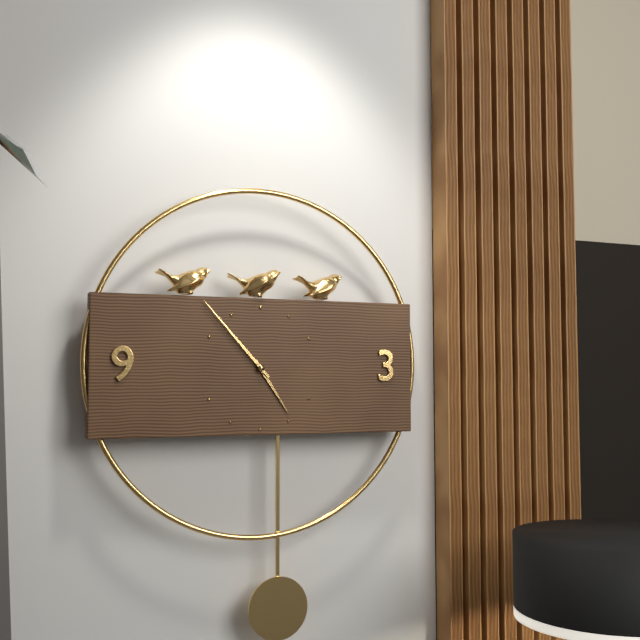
4:53
